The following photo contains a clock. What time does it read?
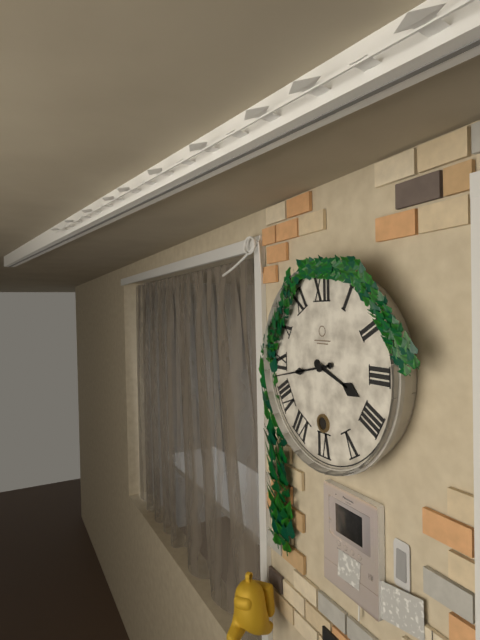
3:43
